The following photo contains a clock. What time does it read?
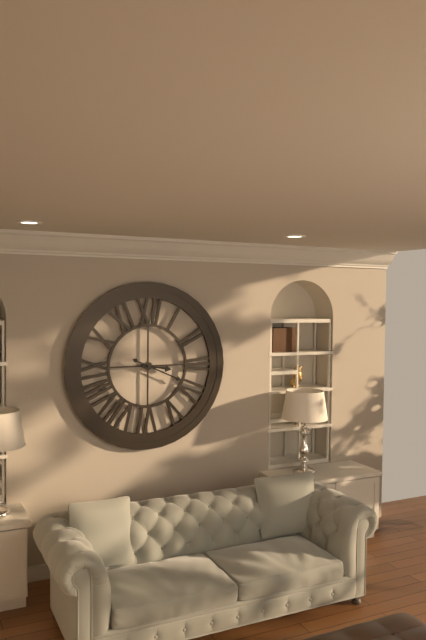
3:19
